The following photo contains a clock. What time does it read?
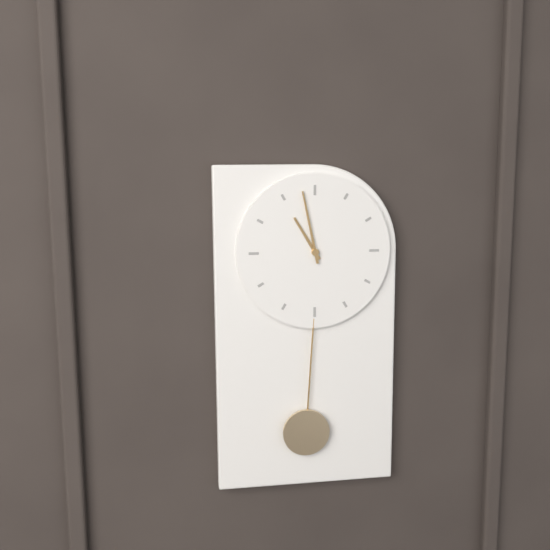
10:58
